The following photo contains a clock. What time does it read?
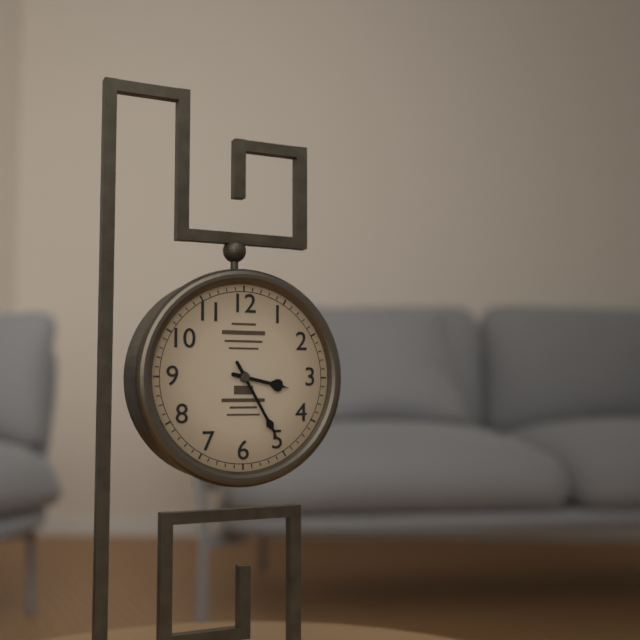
3:25
